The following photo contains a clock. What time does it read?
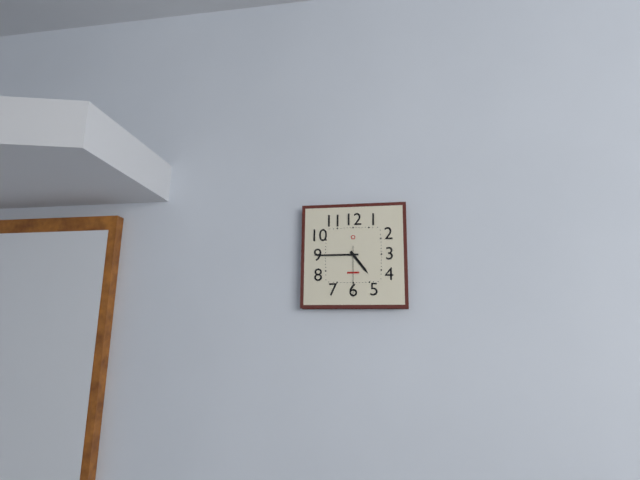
4:45:30
